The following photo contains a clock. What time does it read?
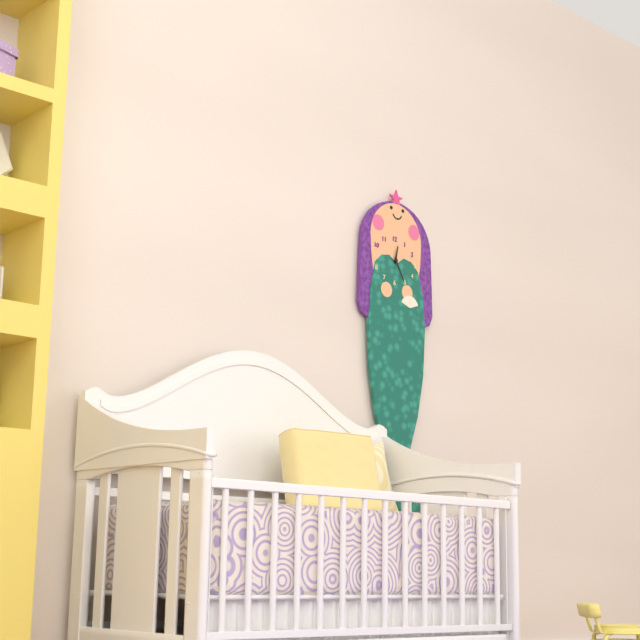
12:25
